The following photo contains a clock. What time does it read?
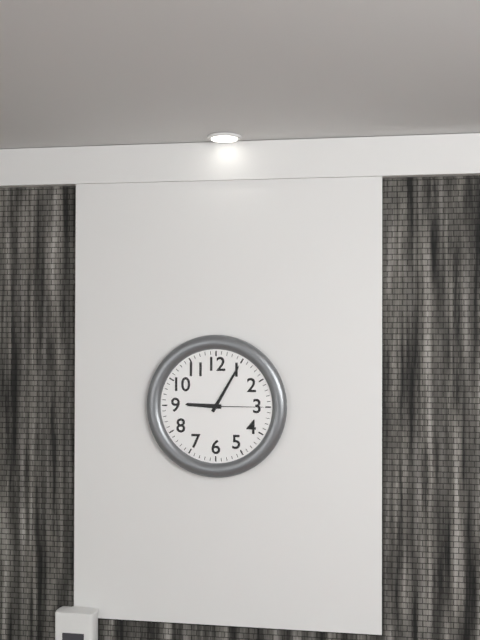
9:05:15
